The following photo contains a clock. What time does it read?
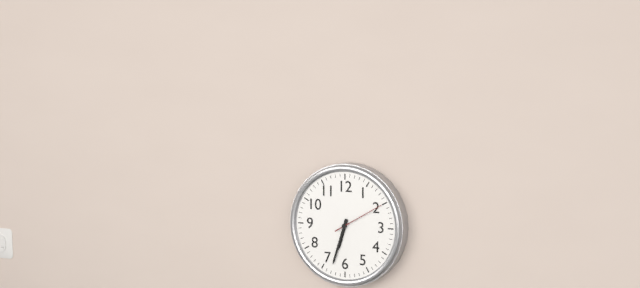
6:33
